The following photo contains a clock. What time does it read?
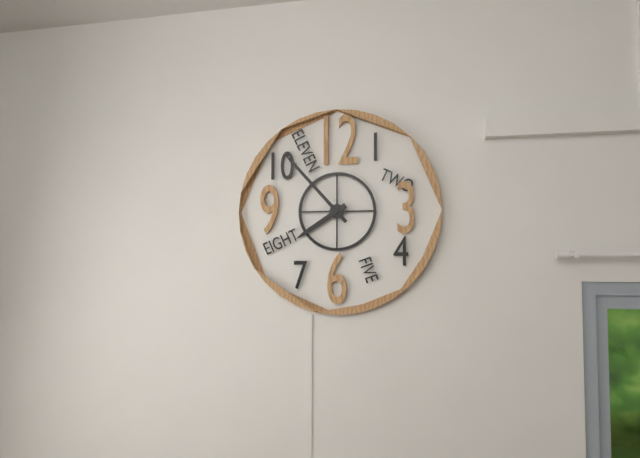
7:53
